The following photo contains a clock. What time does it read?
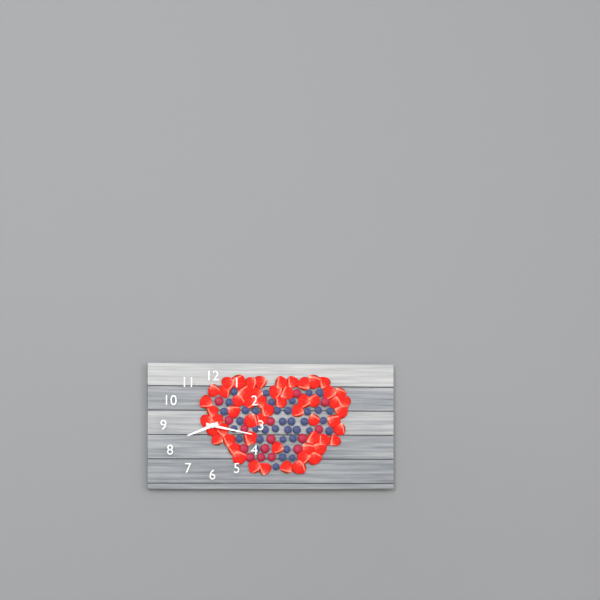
8:17
